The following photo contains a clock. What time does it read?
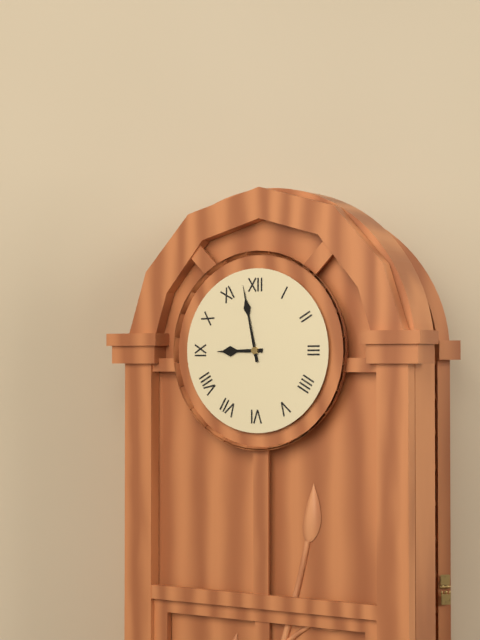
8:58
